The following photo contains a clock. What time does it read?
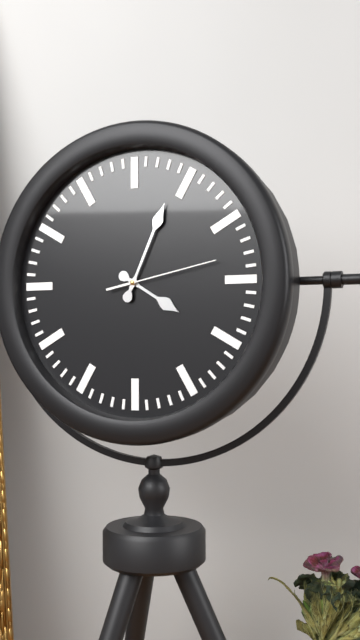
4:04:13
